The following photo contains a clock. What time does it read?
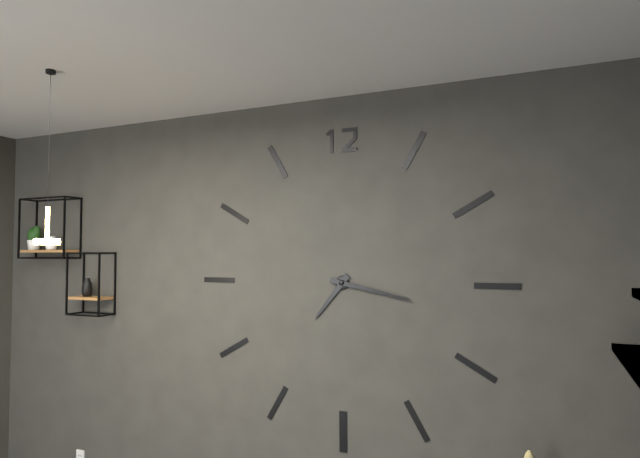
7:17
